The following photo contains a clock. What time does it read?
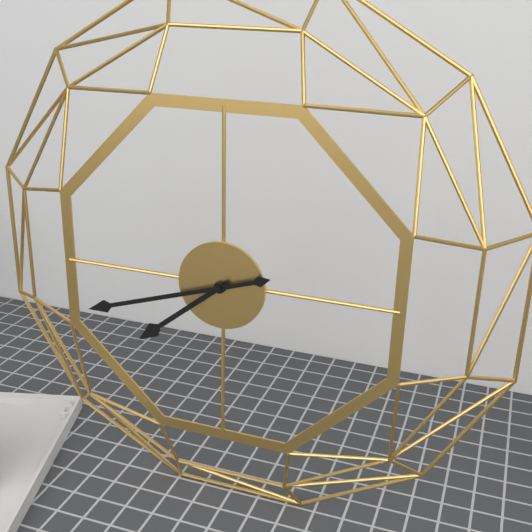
7:42
